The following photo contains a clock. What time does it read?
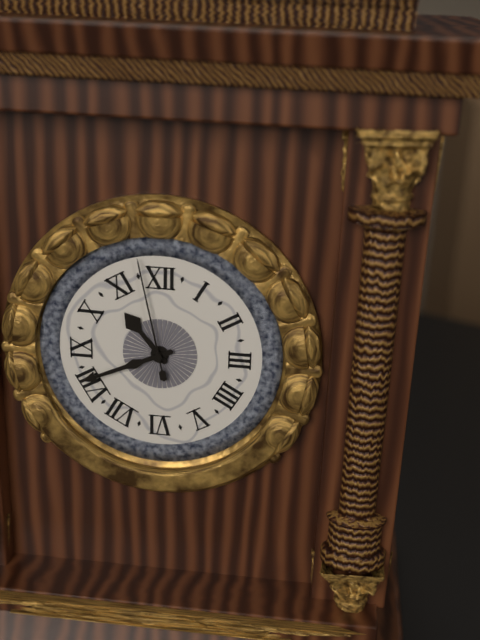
10:41:58
